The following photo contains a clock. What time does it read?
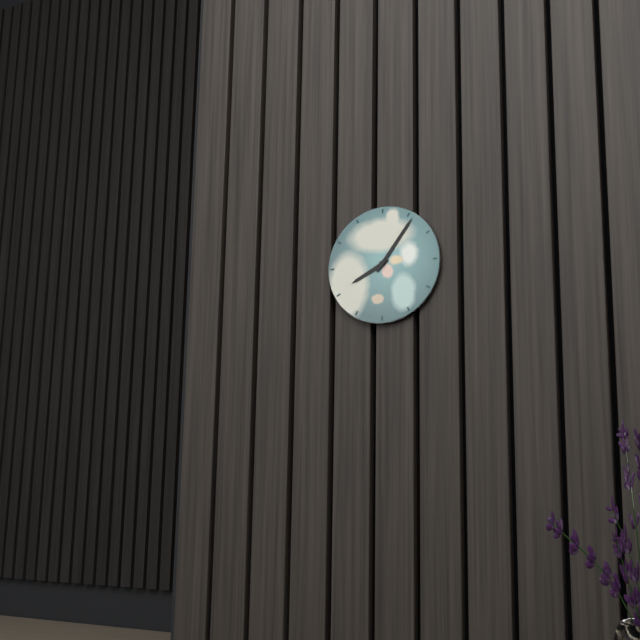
8:06
